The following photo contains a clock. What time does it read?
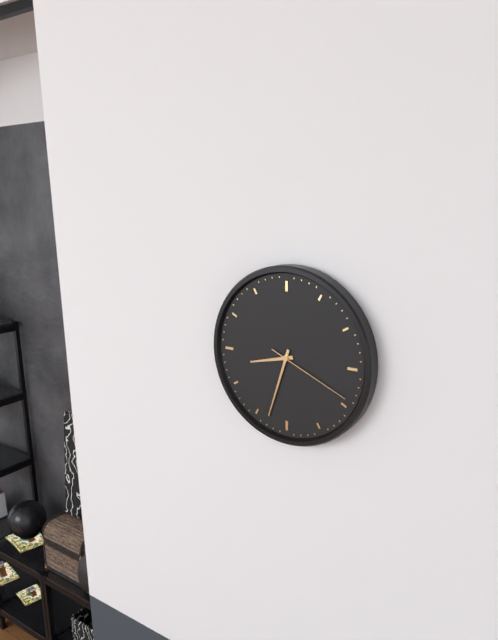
8:33:19
